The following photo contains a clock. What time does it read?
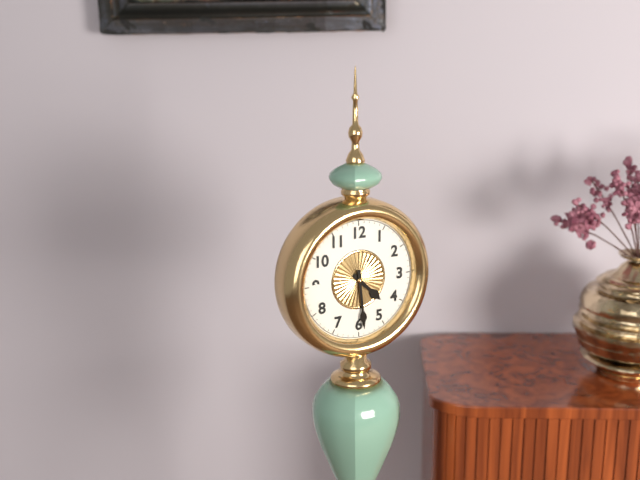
4:29
